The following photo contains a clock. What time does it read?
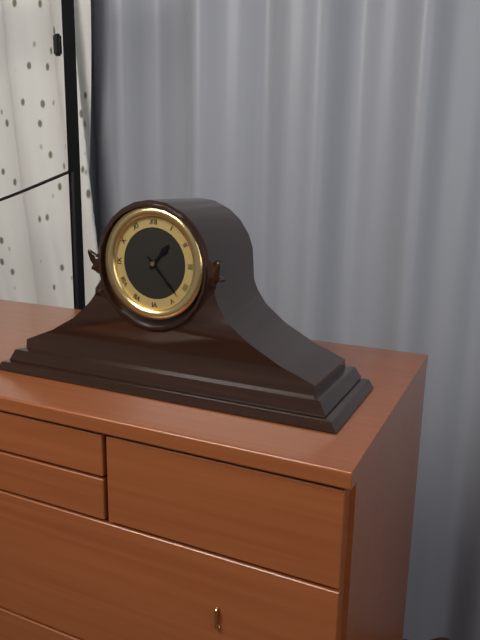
1:23
